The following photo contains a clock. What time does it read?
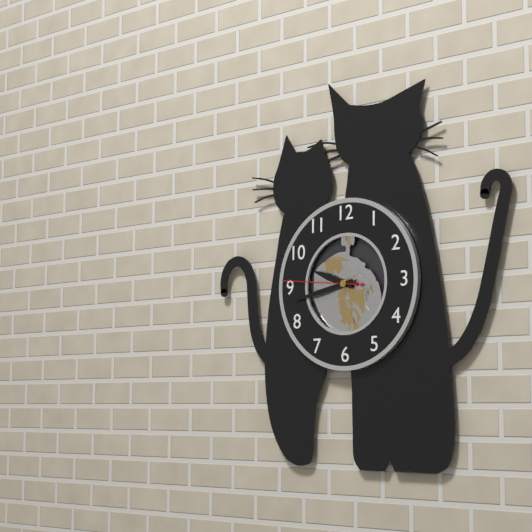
9:43:46
